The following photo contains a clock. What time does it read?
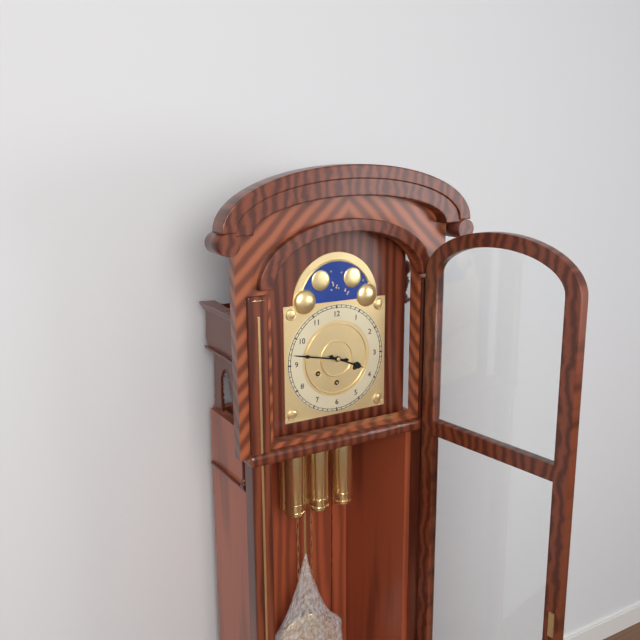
3:47
